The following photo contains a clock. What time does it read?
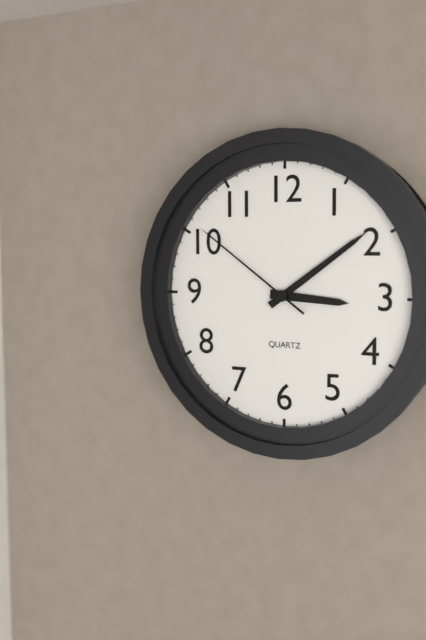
3:09:51
